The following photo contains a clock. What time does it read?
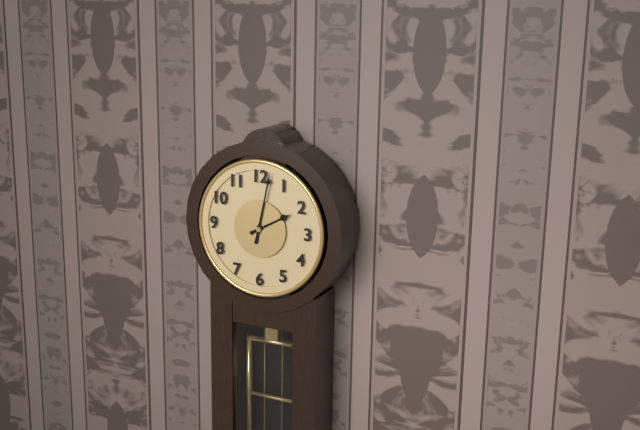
2:02
